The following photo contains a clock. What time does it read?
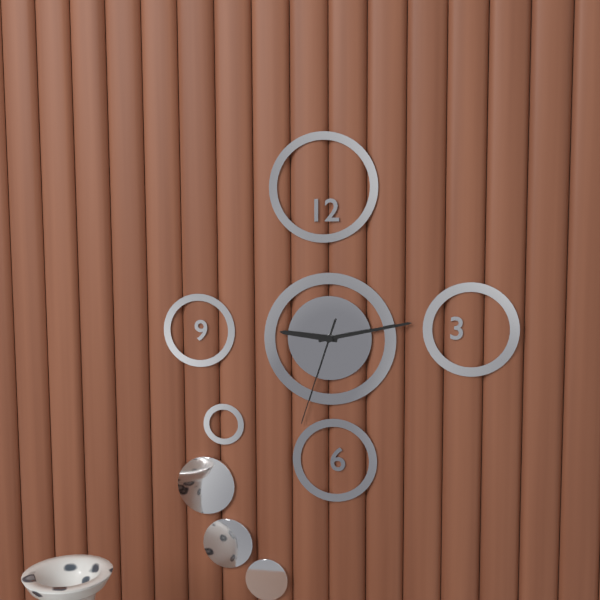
9:13:33
